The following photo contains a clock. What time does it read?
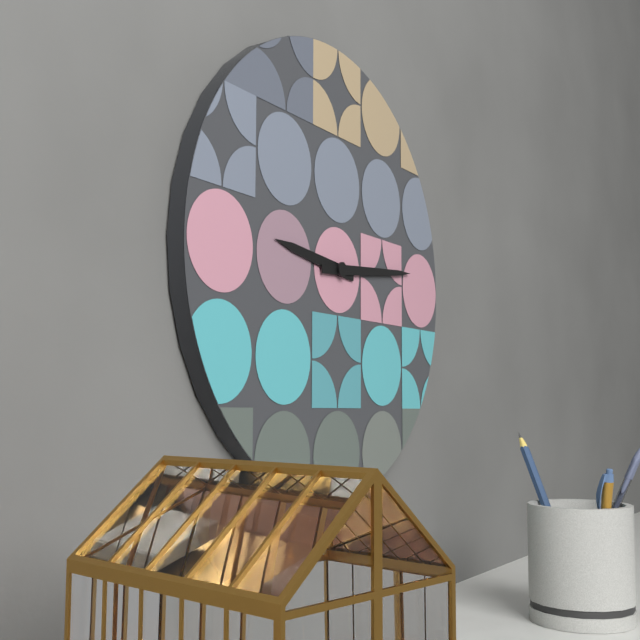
9:14
